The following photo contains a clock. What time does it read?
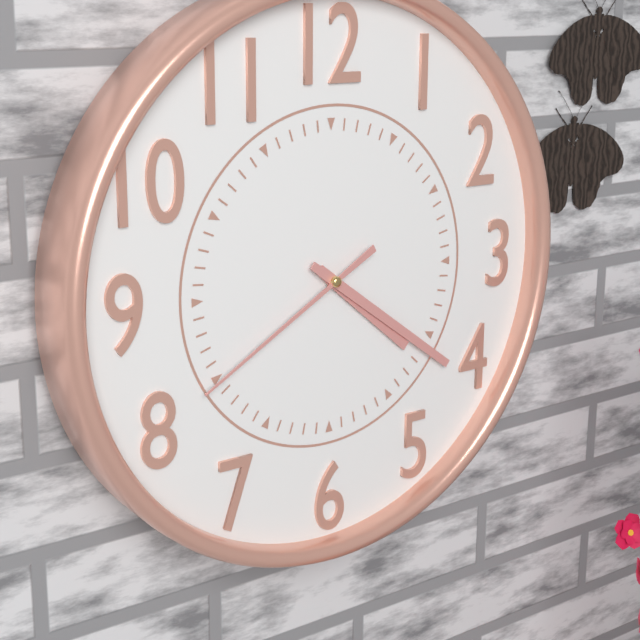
4:21:40
